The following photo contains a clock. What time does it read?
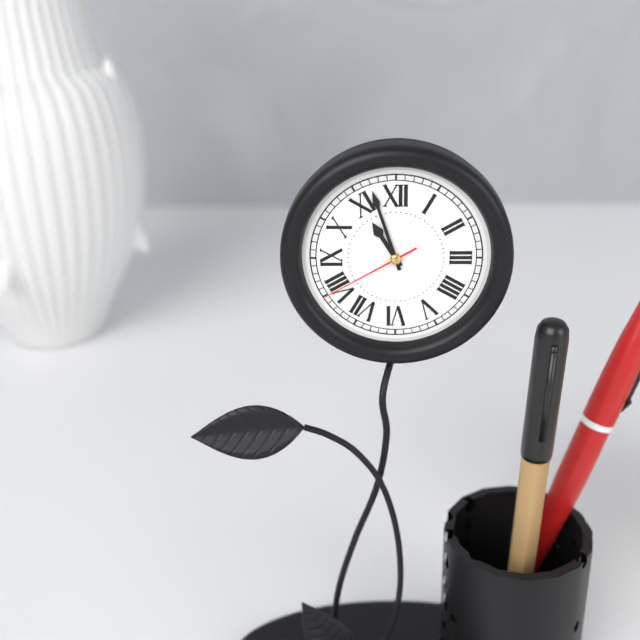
10:57:40
